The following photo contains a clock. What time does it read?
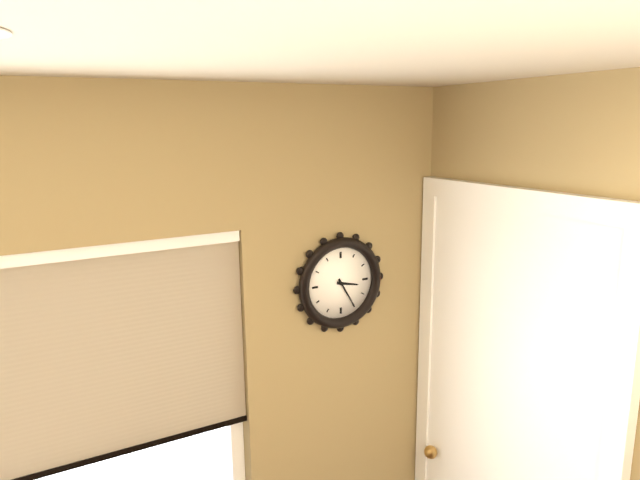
3:25
